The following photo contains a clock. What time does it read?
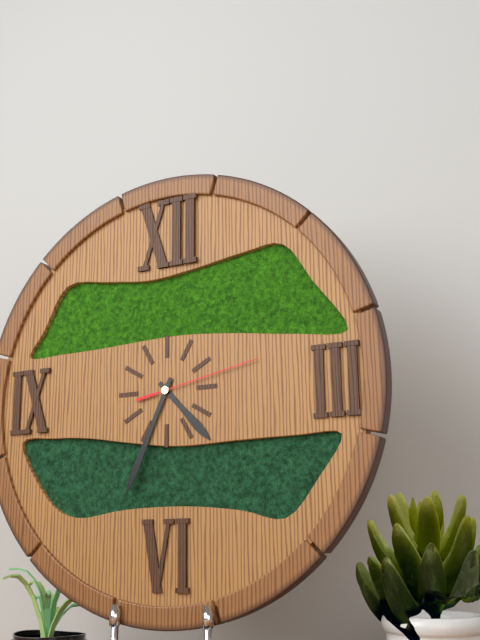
4:34:13
